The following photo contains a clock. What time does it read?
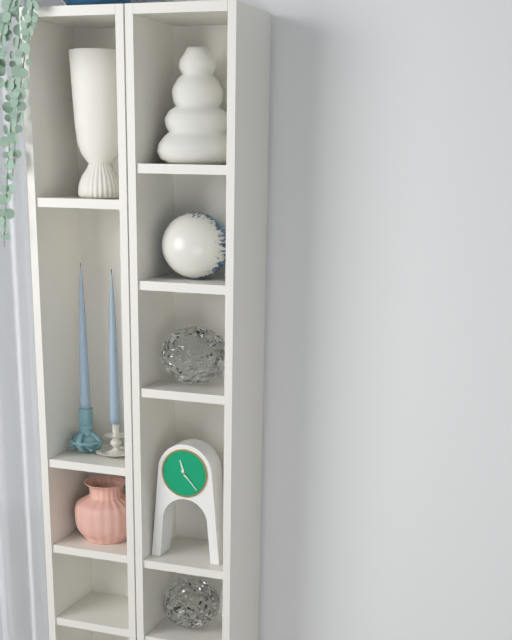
11:23
